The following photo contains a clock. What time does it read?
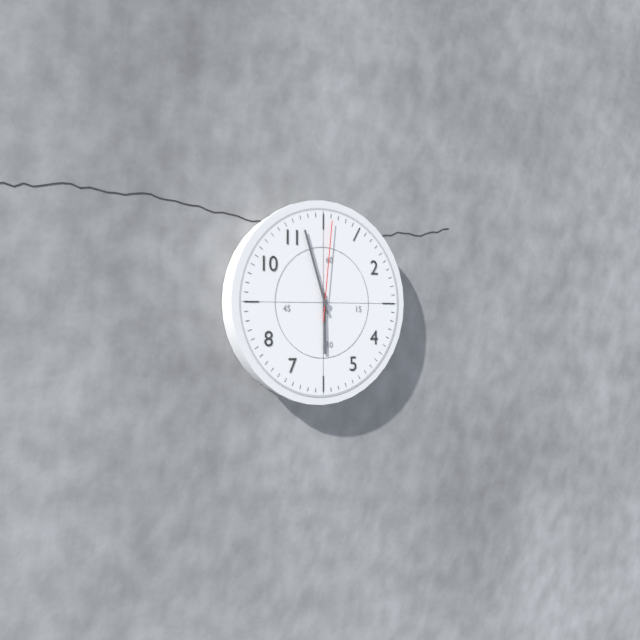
5:57:01
